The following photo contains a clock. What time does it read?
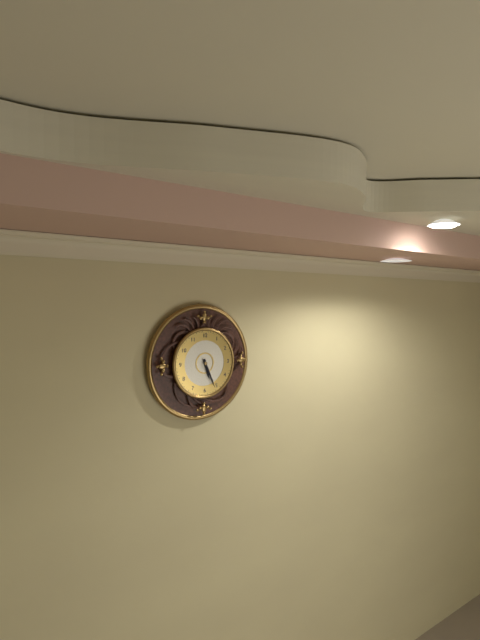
5:26
